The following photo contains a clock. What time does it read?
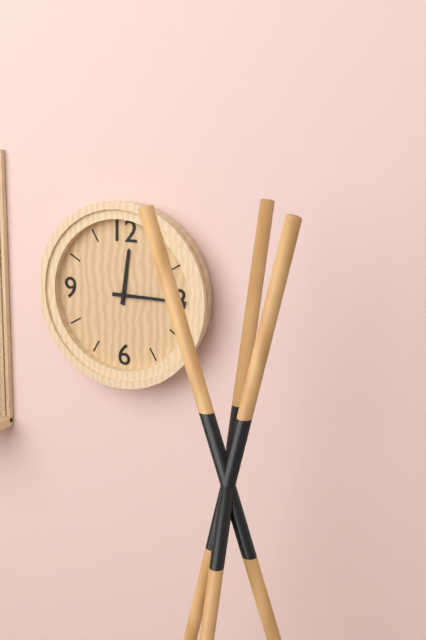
12:15
